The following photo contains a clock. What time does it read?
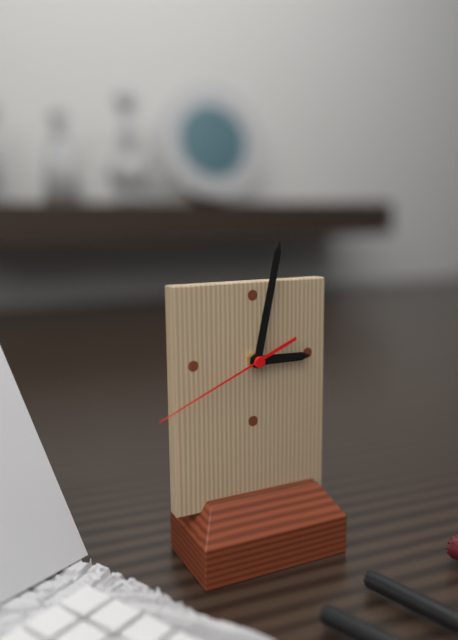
3:02:41
